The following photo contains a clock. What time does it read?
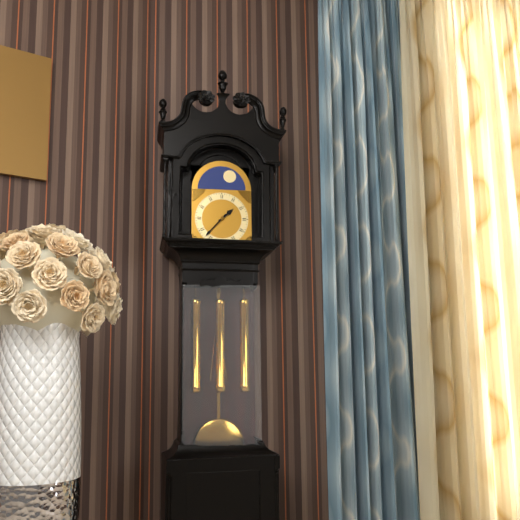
1:37
